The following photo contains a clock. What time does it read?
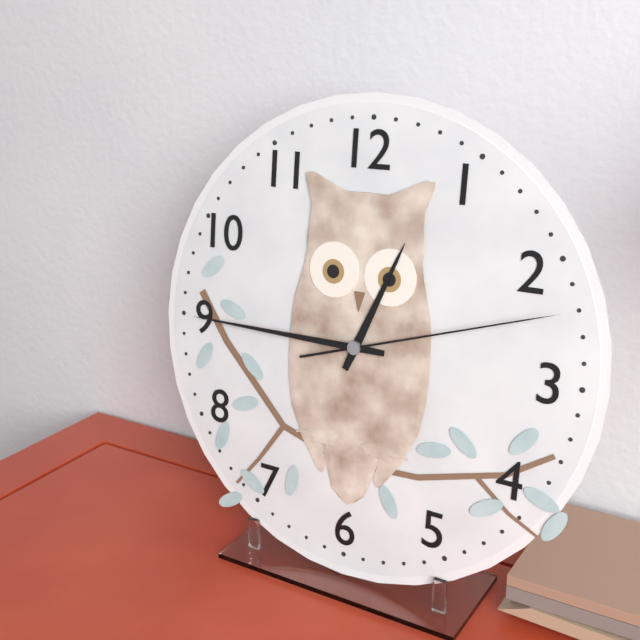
12:45:12
